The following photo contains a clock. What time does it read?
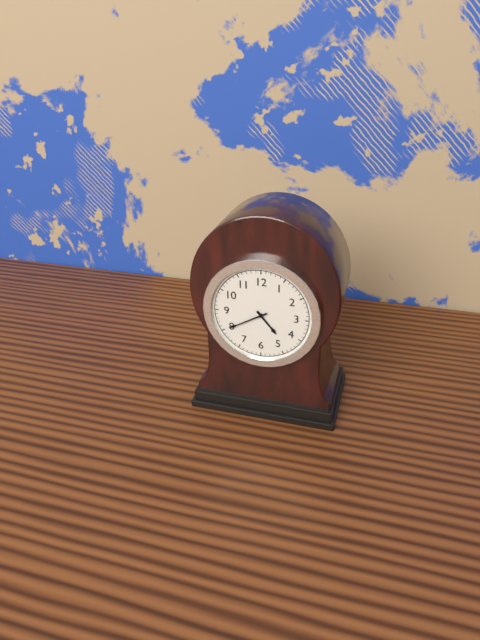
4:40
